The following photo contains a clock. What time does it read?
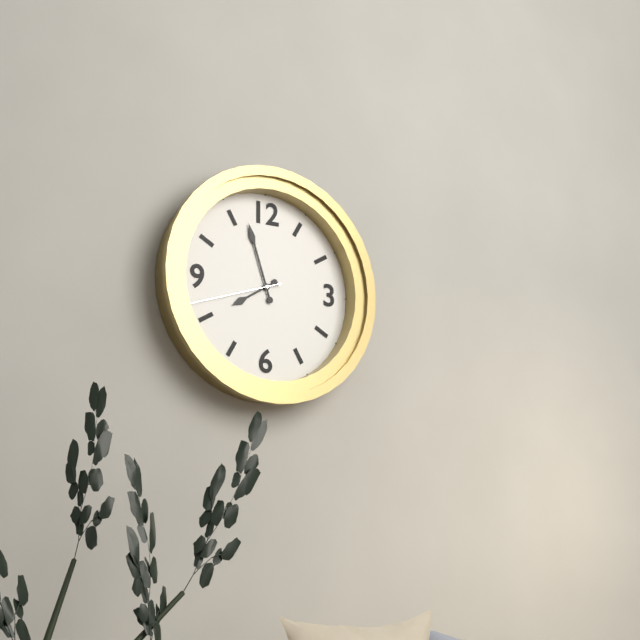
7:57:42
